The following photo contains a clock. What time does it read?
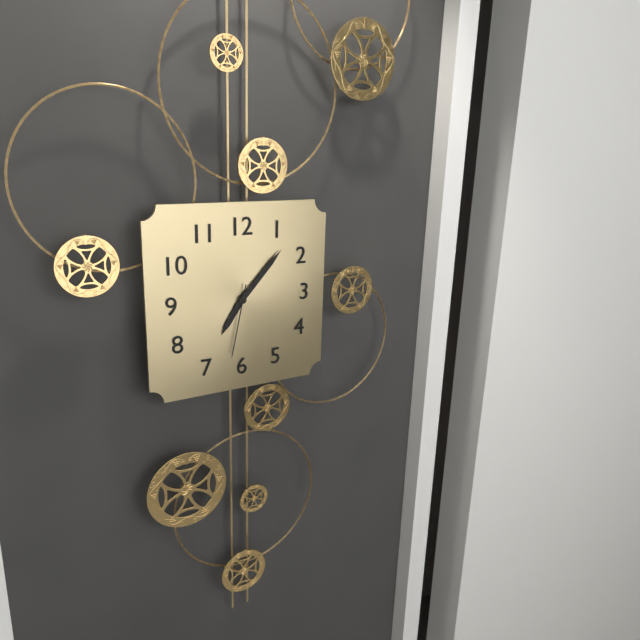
7:07:32
